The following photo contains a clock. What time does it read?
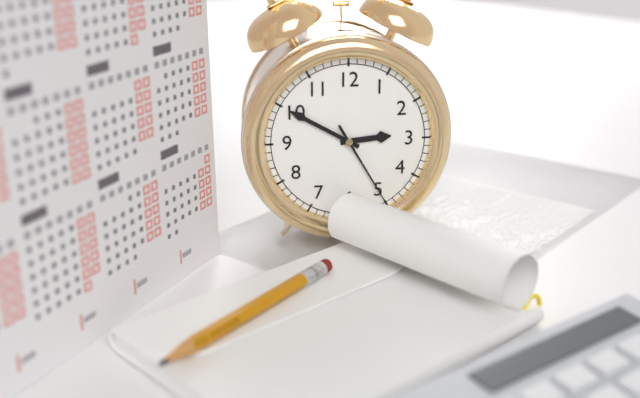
2:50:25
